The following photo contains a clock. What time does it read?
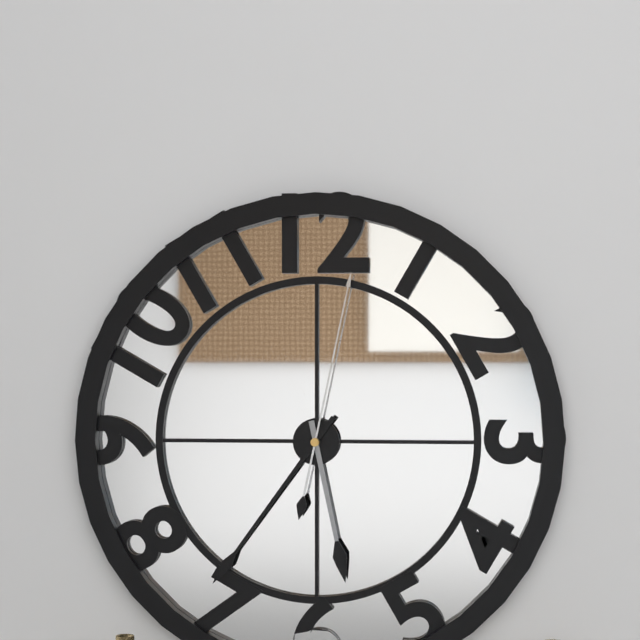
5:36:02
